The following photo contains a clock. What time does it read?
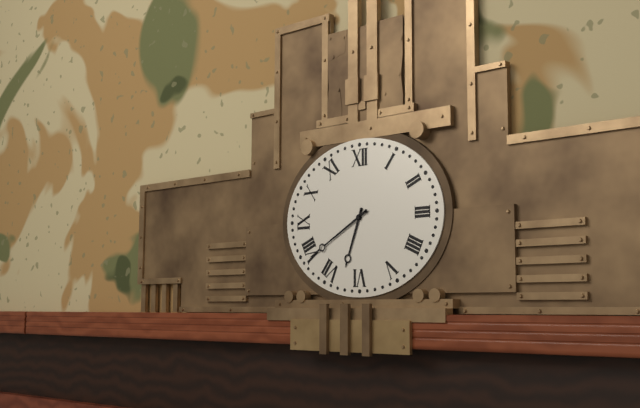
6:40
